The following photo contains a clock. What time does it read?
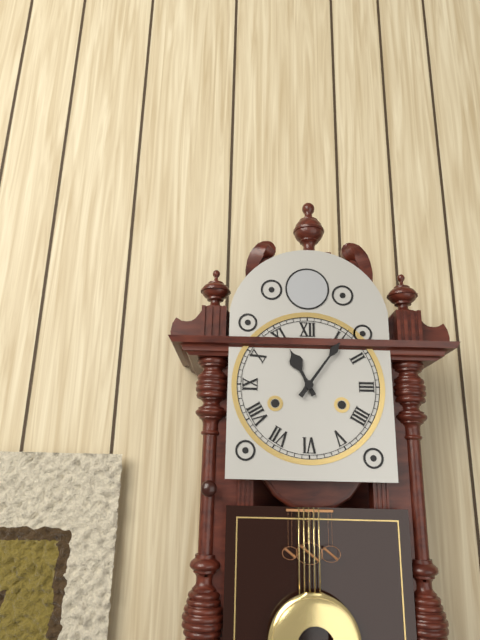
11:06
